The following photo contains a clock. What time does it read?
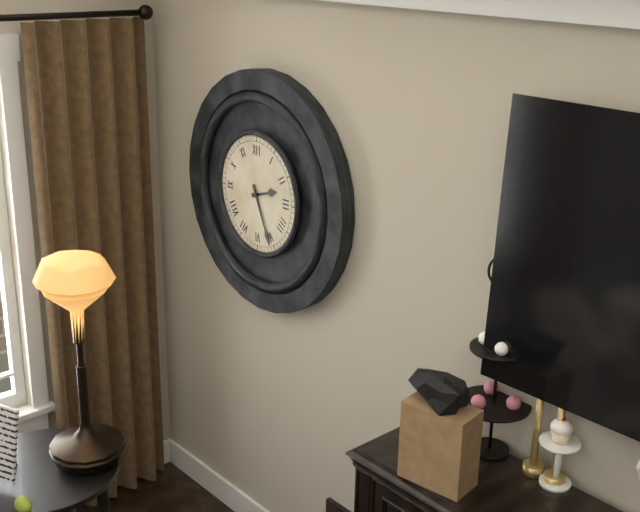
2:26
